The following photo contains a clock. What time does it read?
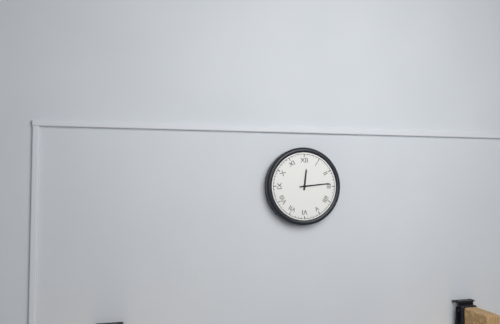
12:14
